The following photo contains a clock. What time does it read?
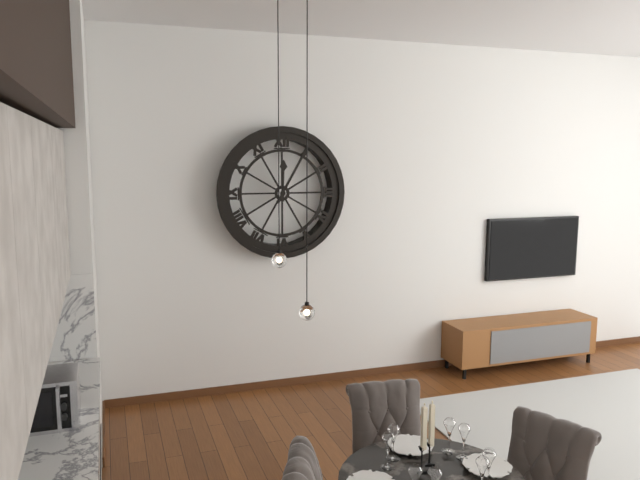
12:05
